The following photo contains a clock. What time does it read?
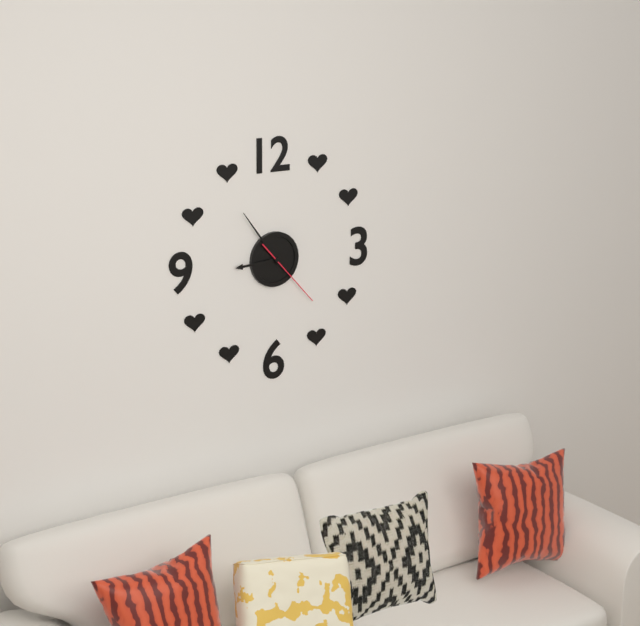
8:54:23
